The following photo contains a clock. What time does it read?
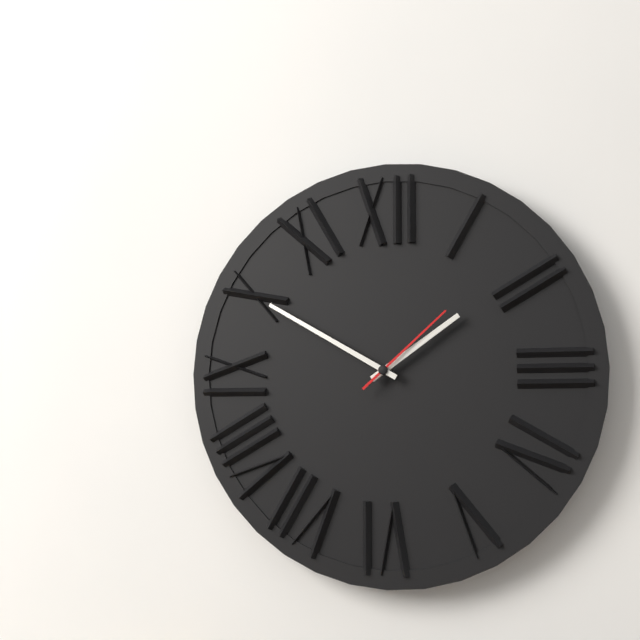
1:50:08
